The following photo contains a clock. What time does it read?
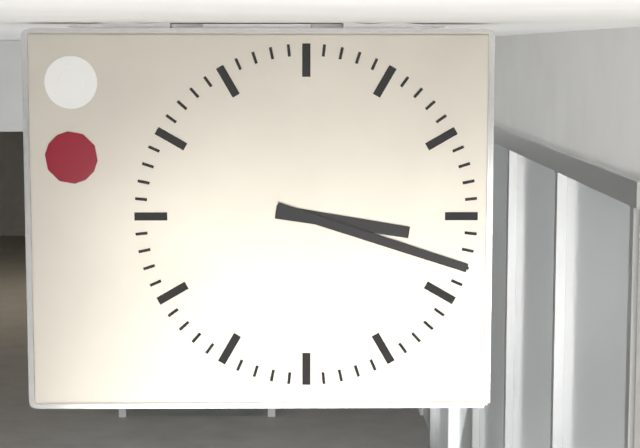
3:18
